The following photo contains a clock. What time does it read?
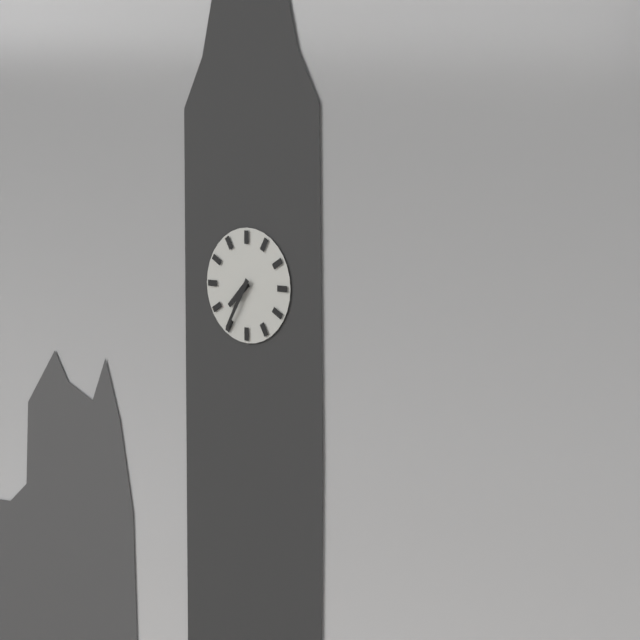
7:35
